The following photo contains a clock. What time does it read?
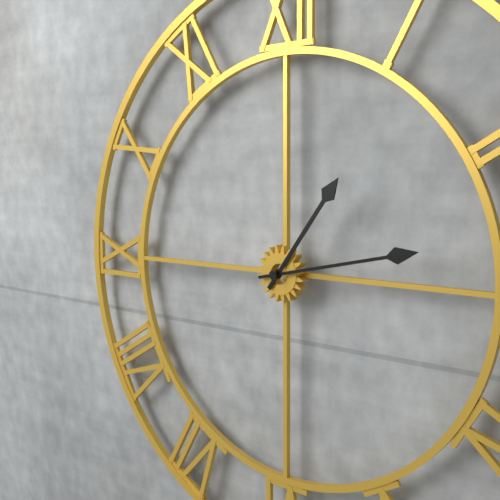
1:13
